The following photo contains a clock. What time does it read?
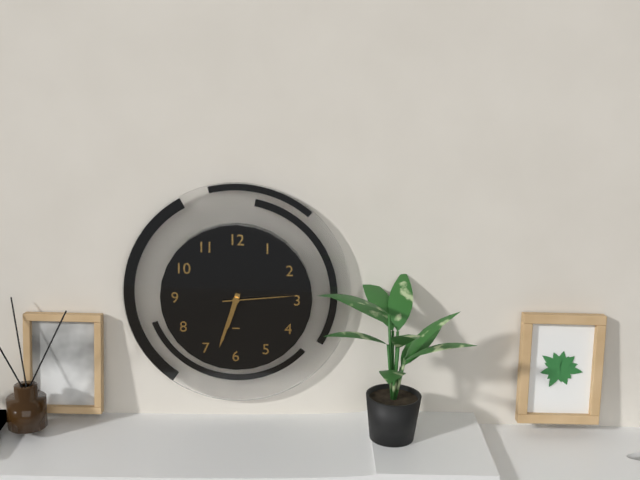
6:33:14
